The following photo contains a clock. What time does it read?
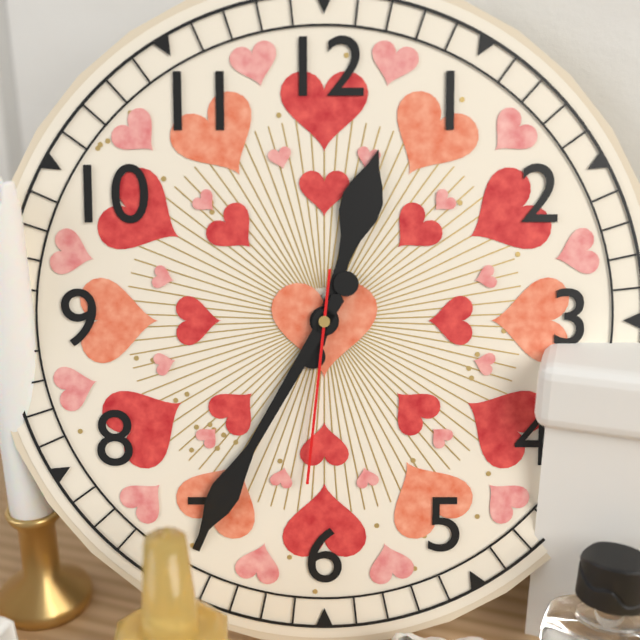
12:35:31
